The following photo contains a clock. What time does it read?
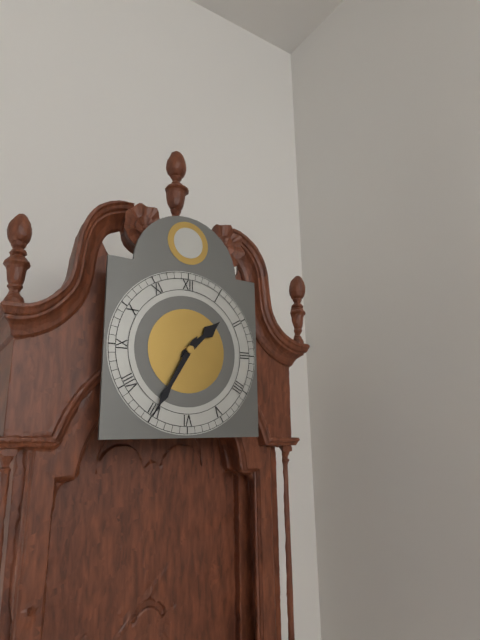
1:35
